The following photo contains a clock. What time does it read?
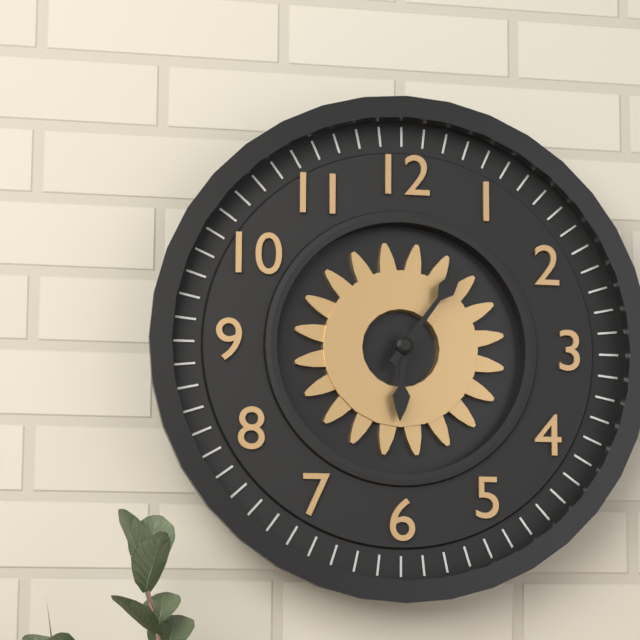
6:06
